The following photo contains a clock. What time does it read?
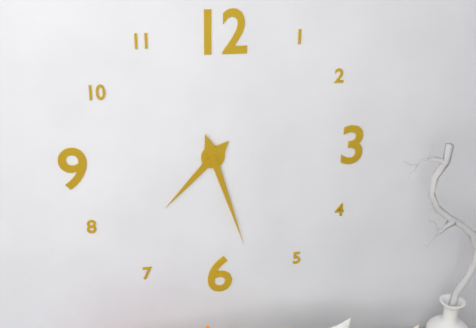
7:27
